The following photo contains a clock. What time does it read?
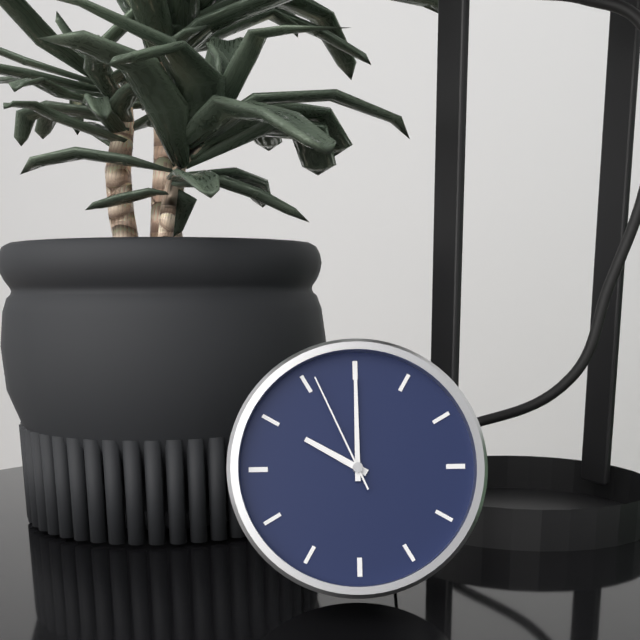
10:00:56
